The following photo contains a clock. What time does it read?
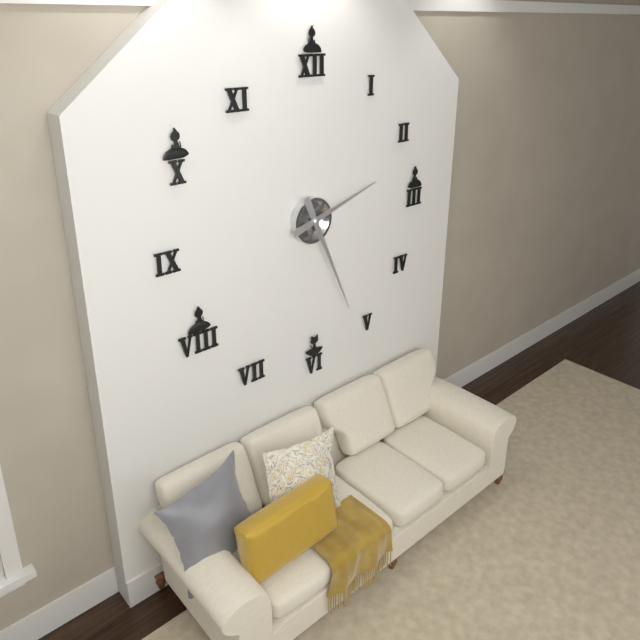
2:26
